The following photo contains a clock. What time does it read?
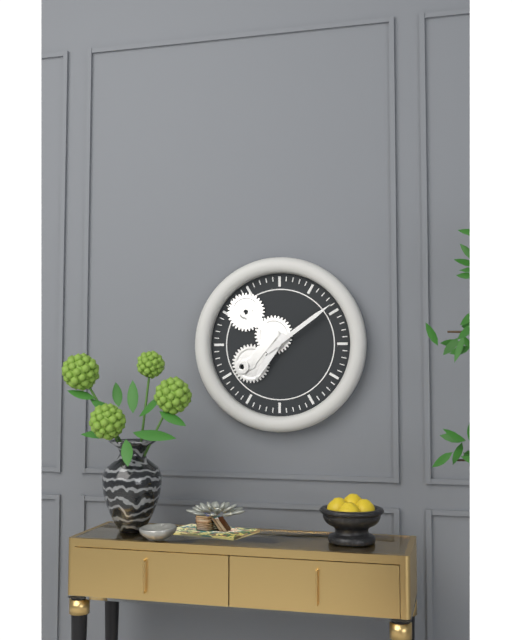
7:09
